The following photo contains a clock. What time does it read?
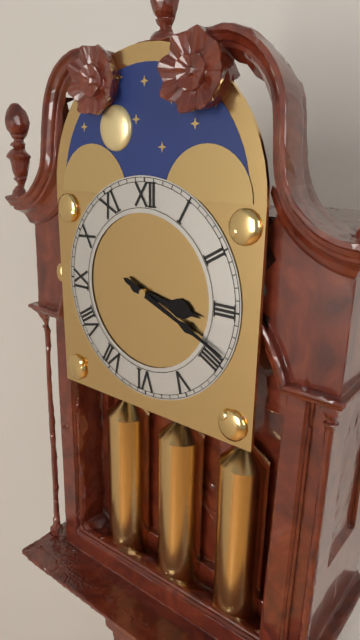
3:19
